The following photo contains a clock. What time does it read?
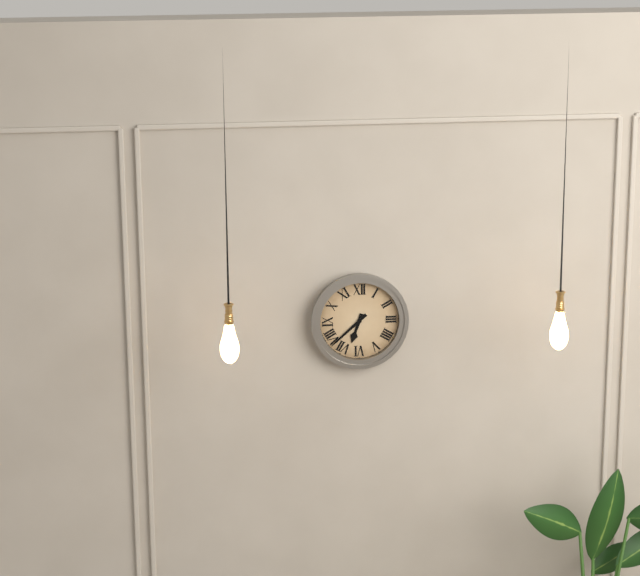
6:38
